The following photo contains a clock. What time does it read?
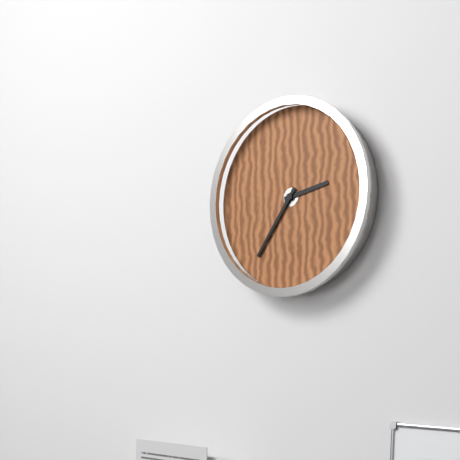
2:36
